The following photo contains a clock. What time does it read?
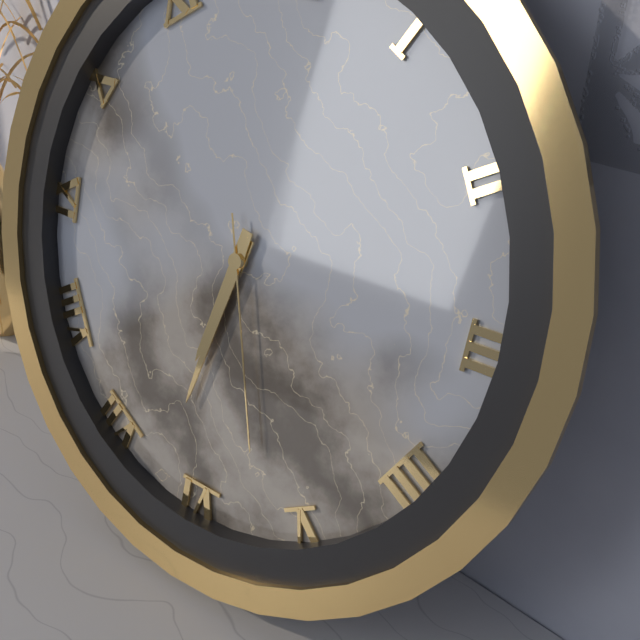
6:32:27
